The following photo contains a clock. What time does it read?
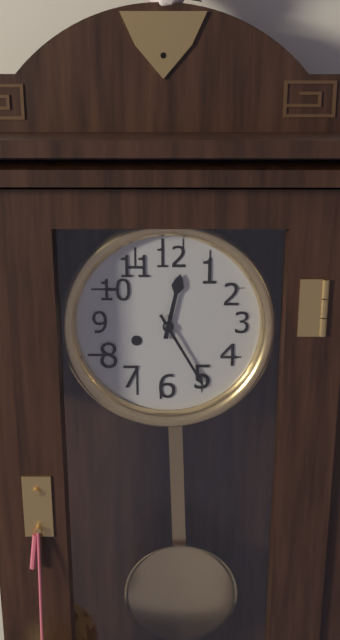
12:25
